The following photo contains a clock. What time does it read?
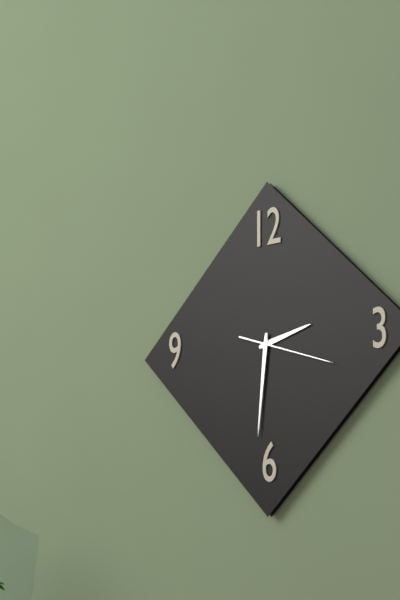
2:31:18
